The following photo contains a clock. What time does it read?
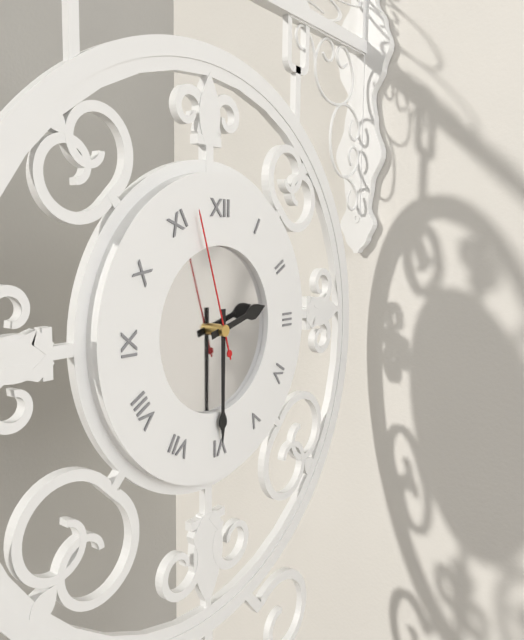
2:30:57
